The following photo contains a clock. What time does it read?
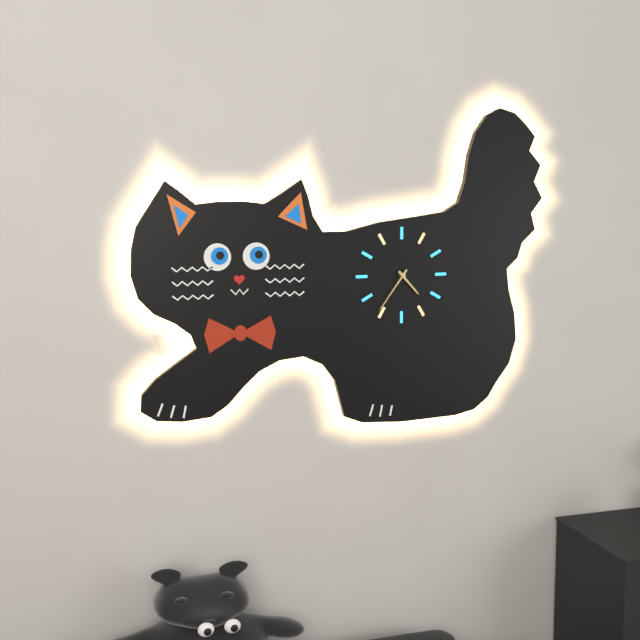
4:36
